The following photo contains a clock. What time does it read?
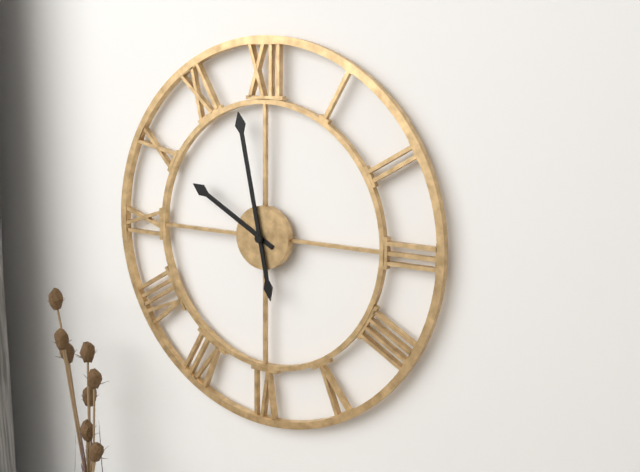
9:58
